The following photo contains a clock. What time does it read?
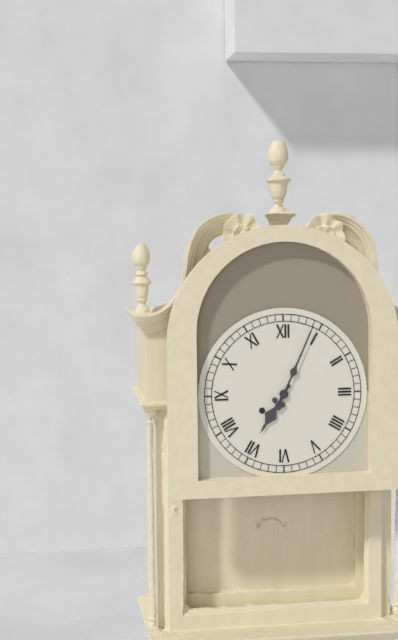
7:04
